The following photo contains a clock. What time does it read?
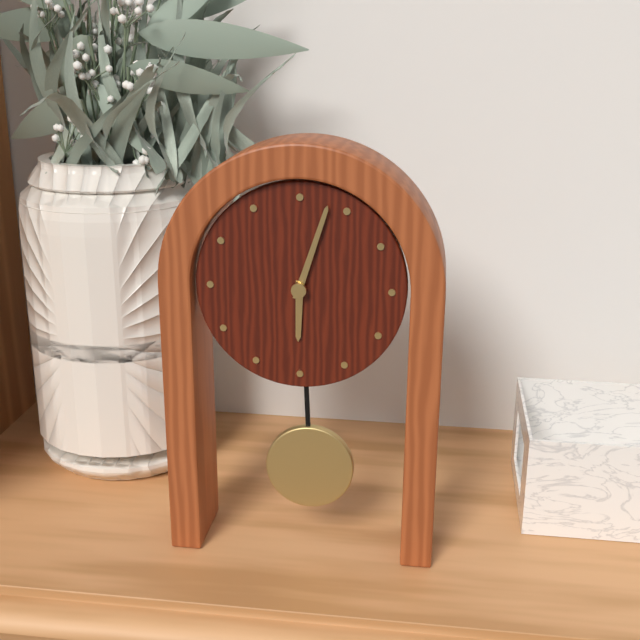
6:03
